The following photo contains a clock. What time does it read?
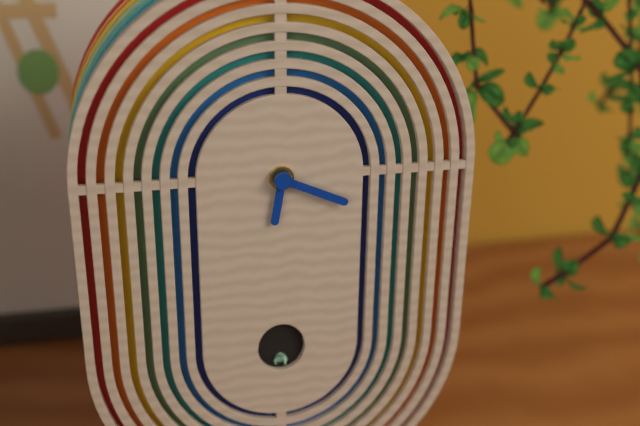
6:19
